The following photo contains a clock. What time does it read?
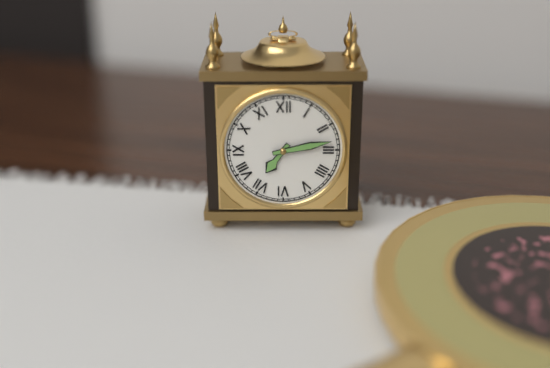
7:13
